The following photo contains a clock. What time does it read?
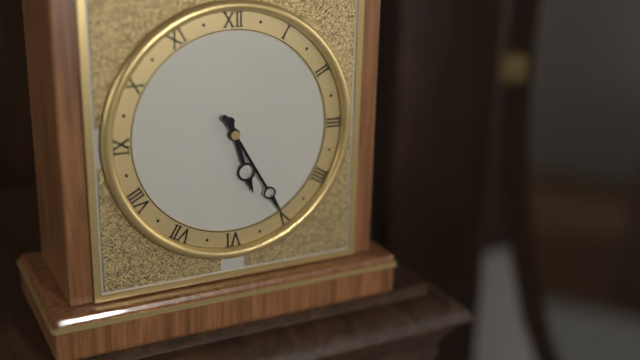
5:25
